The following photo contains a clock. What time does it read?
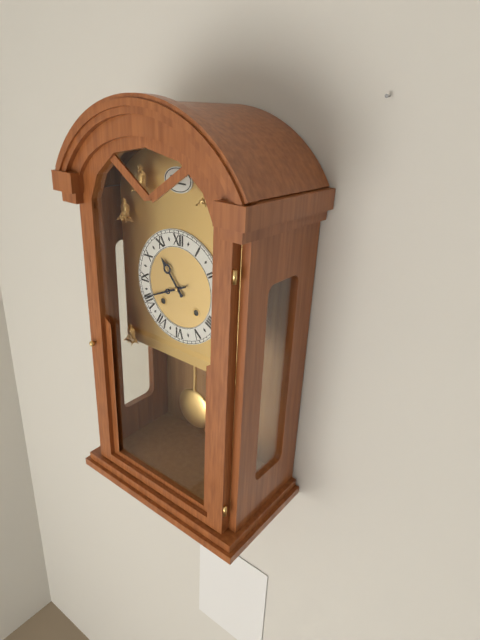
10:41
